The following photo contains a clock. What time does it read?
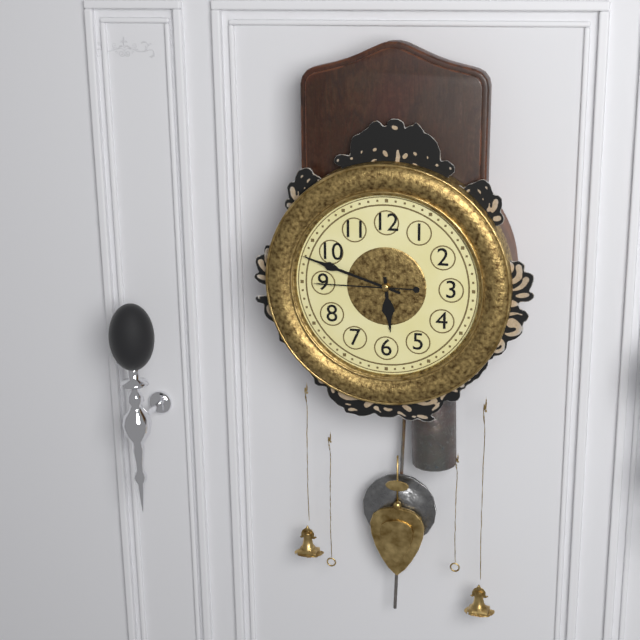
5:48:45
